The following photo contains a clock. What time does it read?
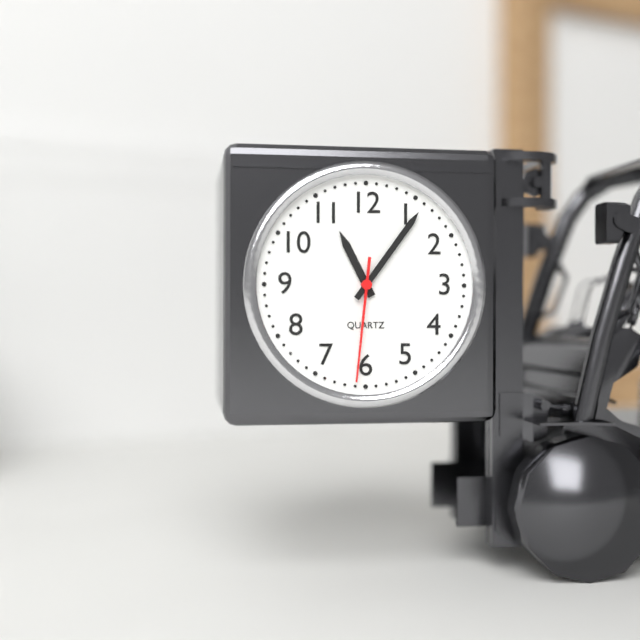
11:06:31
